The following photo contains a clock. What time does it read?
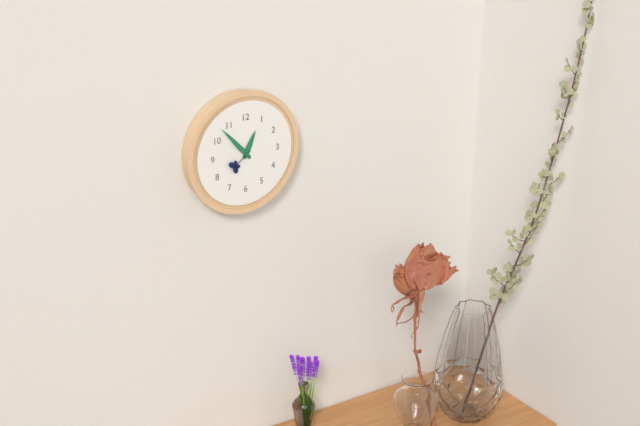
12:53
